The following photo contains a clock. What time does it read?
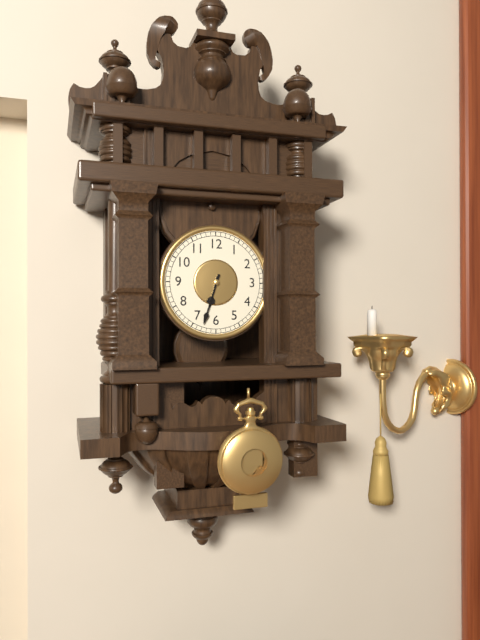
6:33
